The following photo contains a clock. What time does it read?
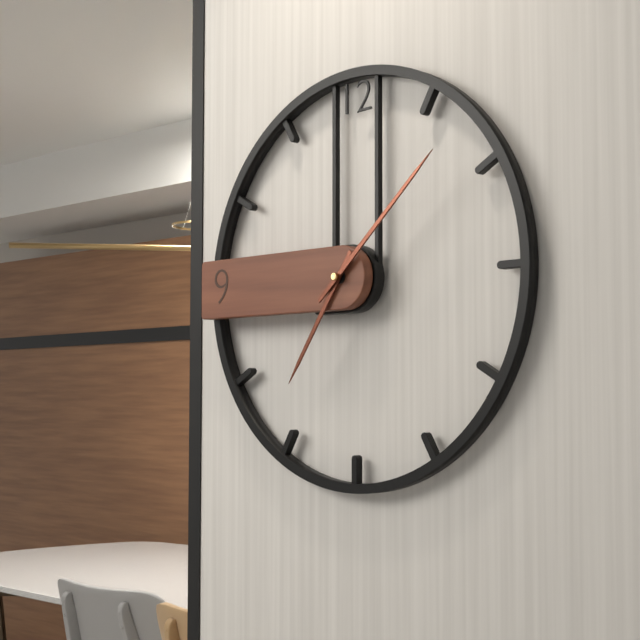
7:08
